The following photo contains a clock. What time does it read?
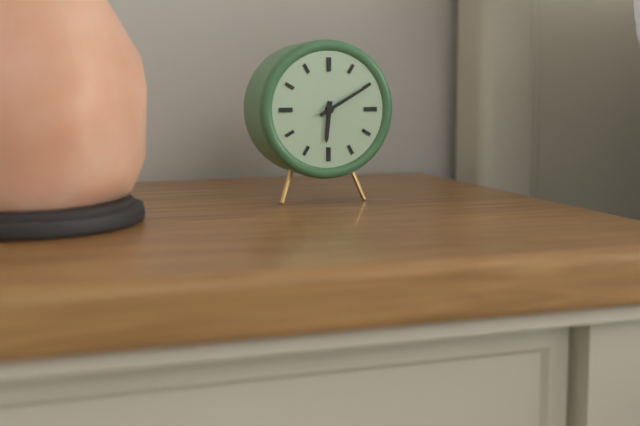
6:10
